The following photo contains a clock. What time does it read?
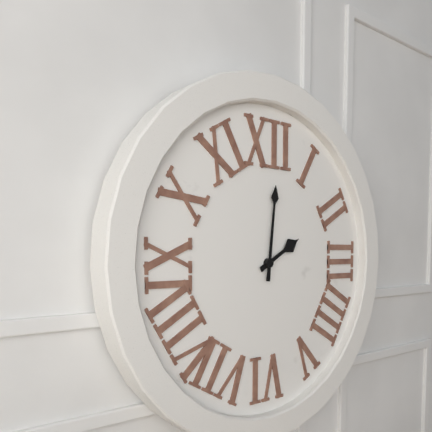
2:01
